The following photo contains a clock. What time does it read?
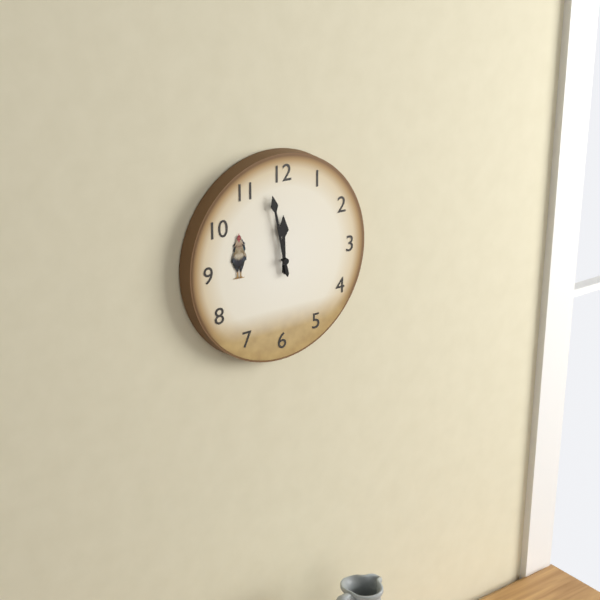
11:58
